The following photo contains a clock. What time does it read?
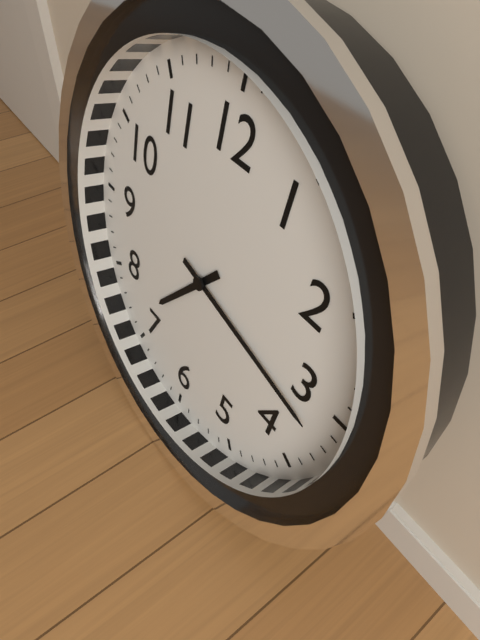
7:17
